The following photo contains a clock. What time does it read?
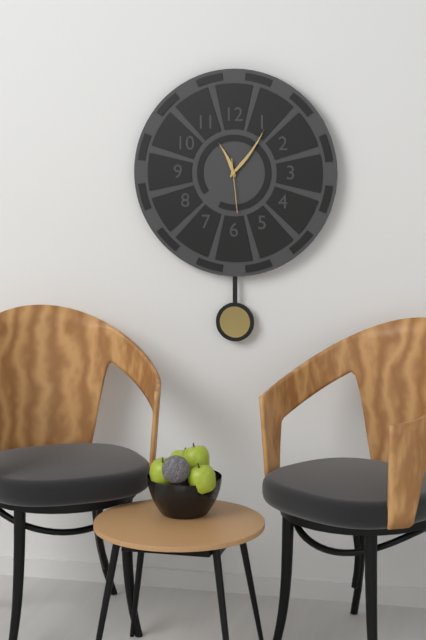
11:06:29
